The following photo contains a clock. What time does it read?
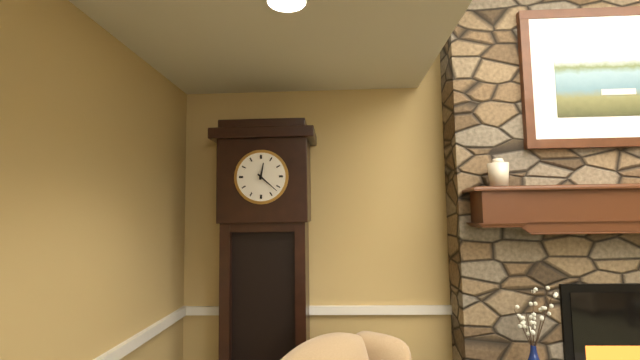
12:22
